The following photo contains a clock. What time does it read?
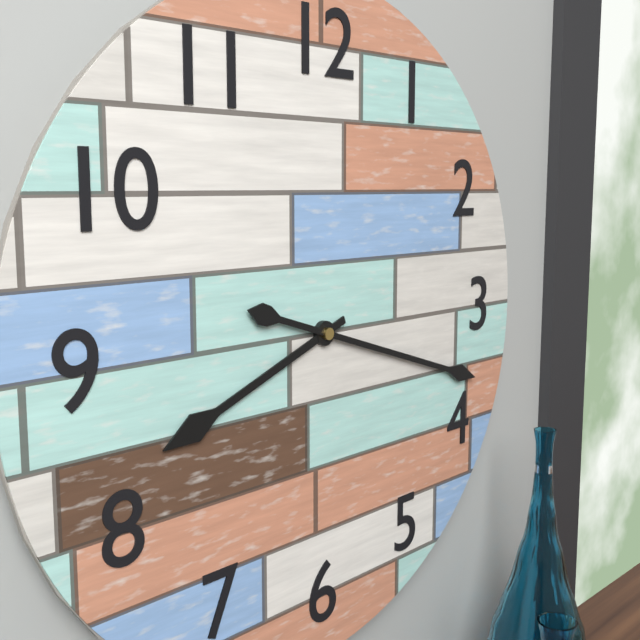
8:18
